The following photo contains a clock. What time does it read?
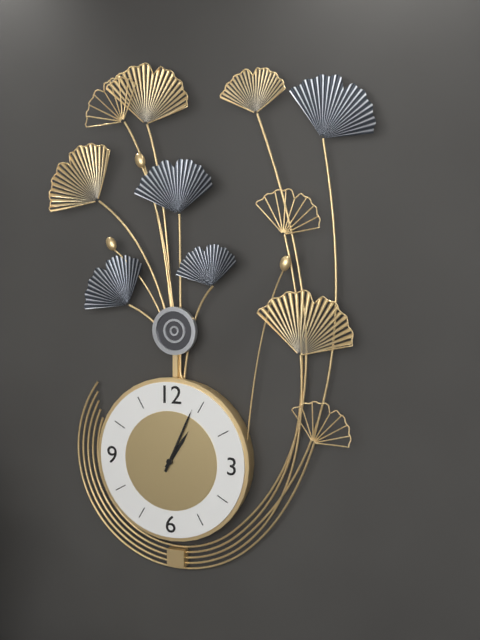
1:04
